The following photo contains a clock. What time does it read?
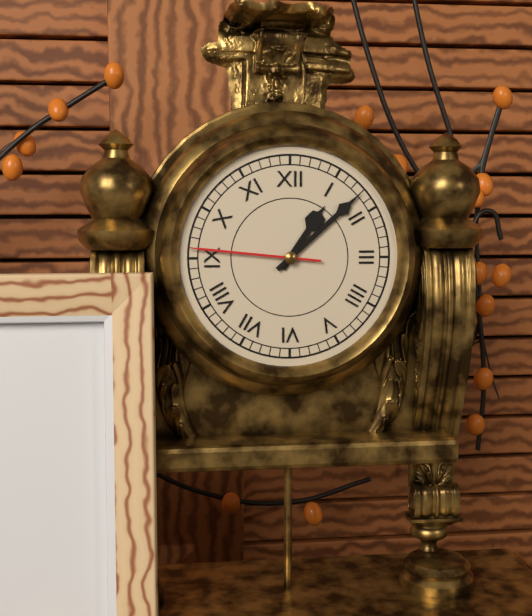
1:08:46
